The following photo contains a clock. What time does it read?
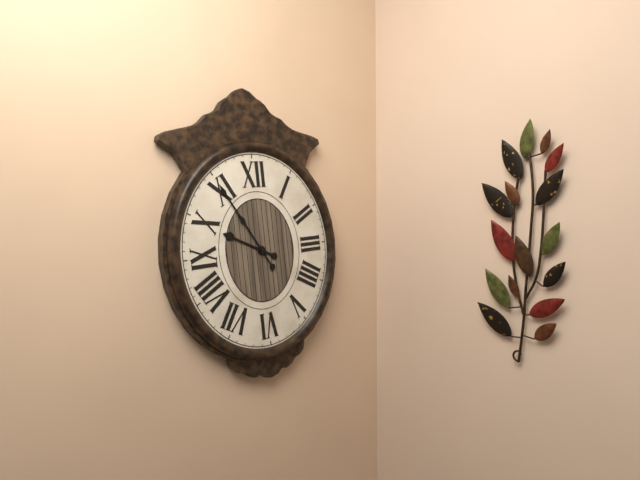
9:55
